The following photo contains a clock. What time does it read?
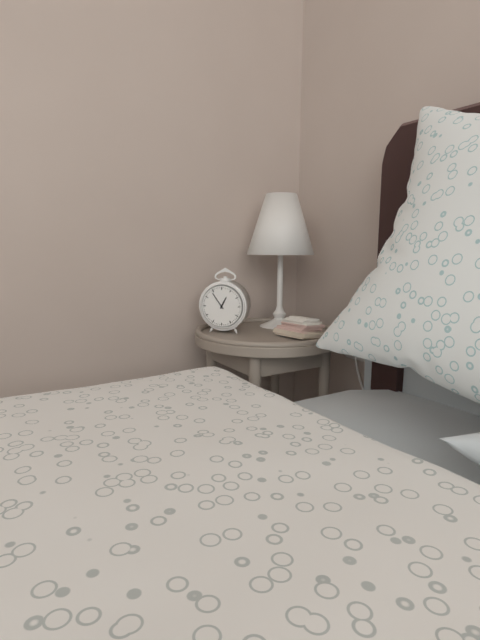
12:54
